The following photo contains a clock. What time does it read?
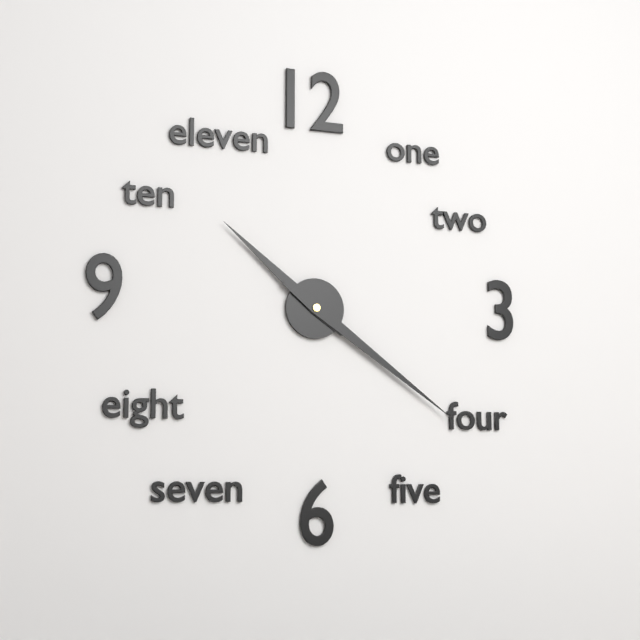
10:21
